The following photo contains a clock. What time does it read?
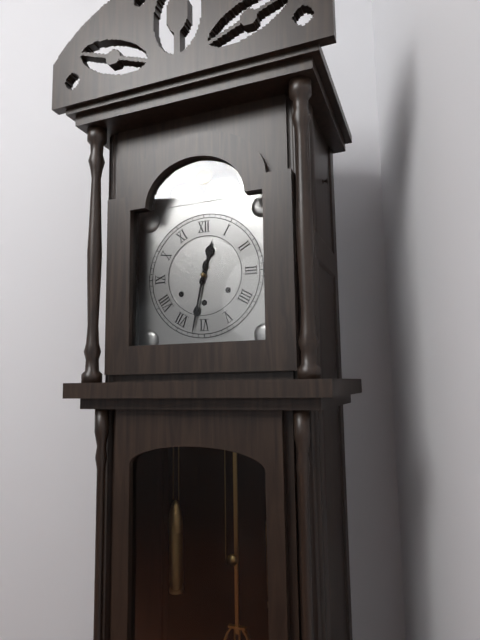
12:32
